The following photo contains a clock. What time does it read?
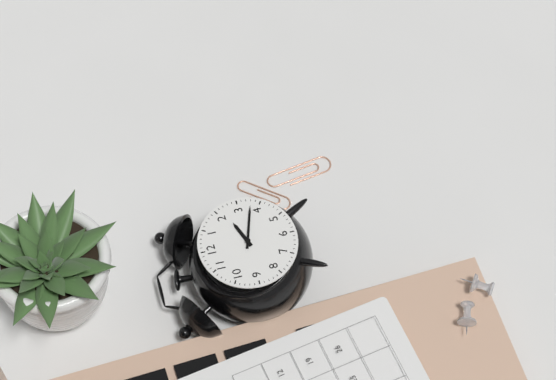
2:18
